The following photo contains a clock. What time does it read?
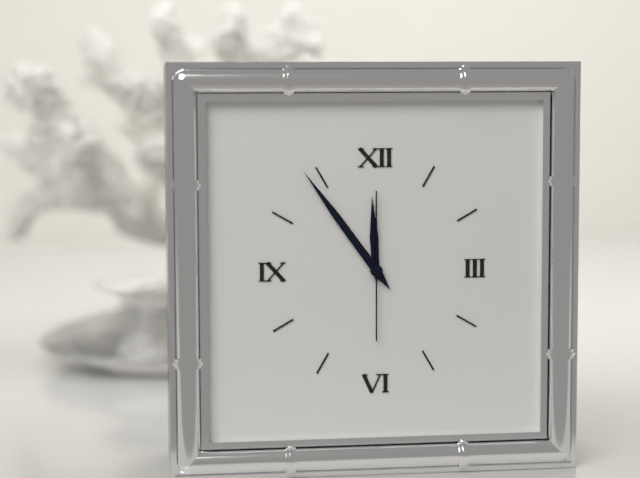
11:54:00
